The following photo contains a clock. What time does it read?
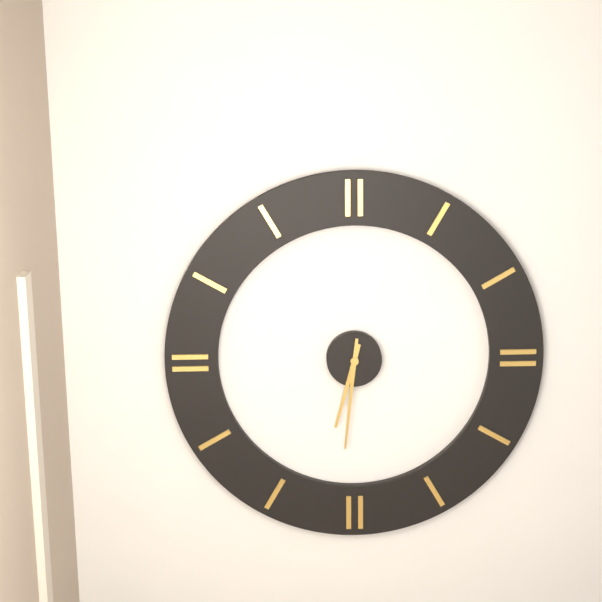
6:31
